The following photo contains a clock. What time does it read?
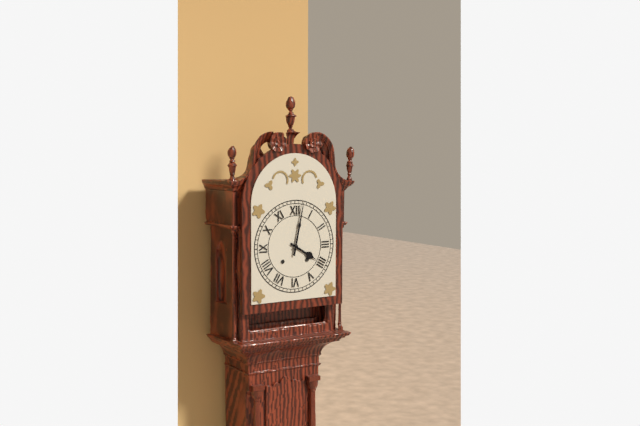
4:02
